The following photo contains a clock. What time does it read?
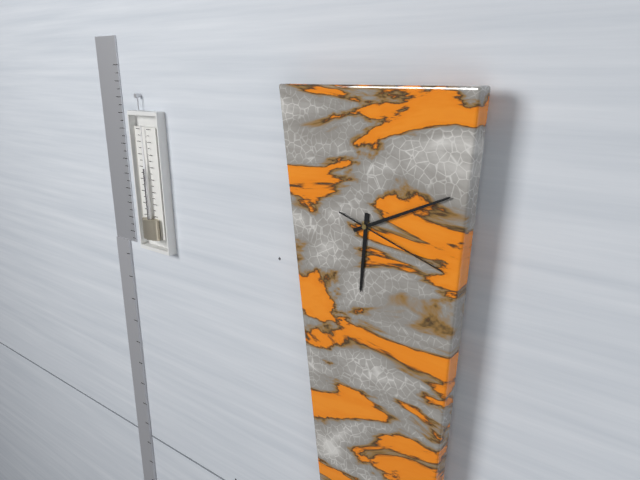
6:11:18
